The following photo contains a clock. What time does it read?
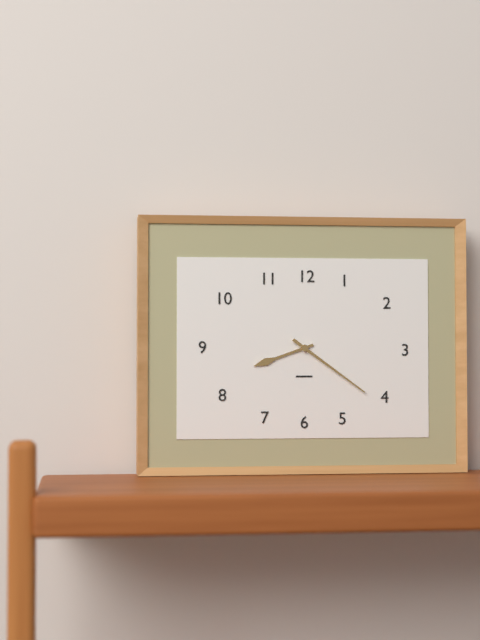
8:21
